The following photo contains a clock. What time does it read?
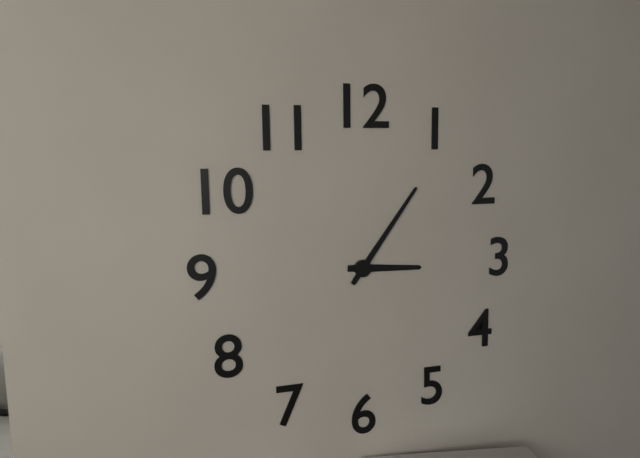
3:06
